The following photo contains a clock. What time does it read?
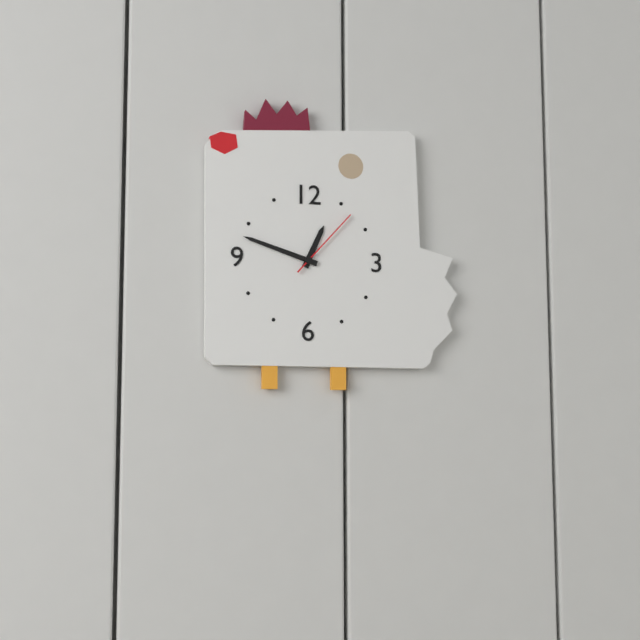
12:48:07
